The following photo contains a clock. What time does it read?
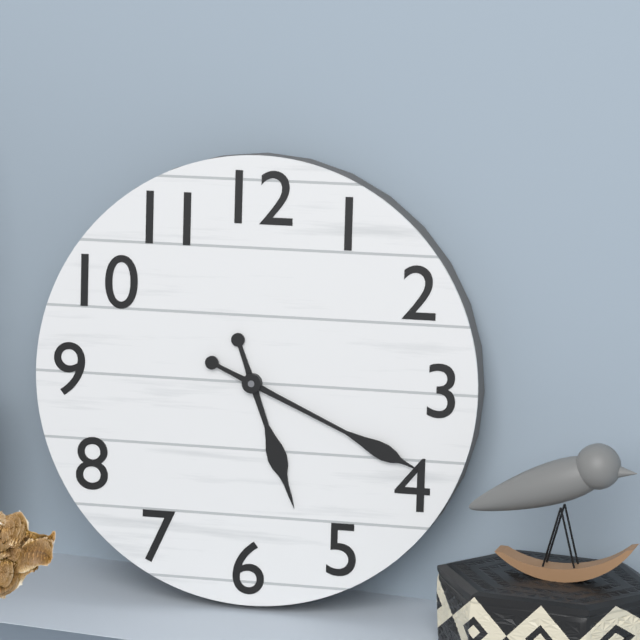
5:19
